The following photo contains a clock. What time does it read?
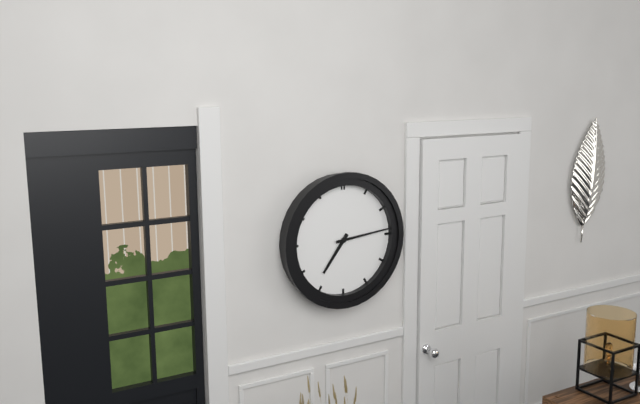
7:14
